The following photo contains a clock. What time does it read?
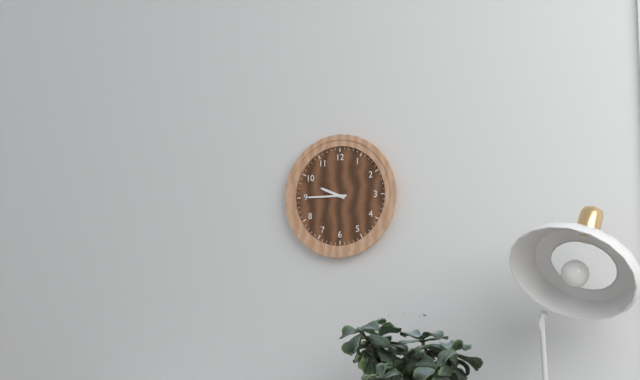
9:45
